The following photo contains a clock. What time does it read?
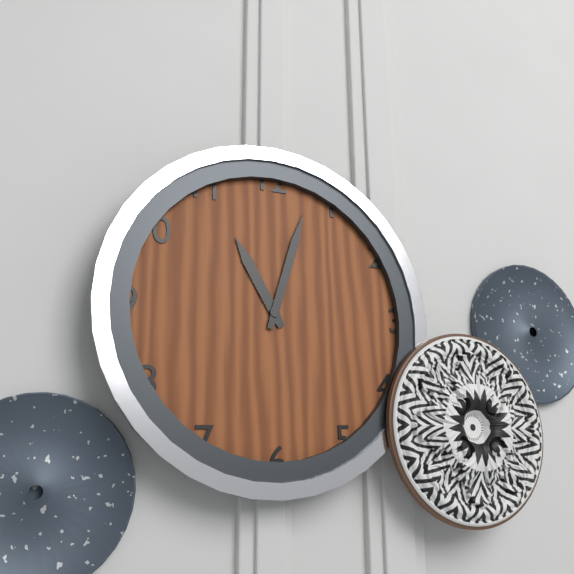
11:03
